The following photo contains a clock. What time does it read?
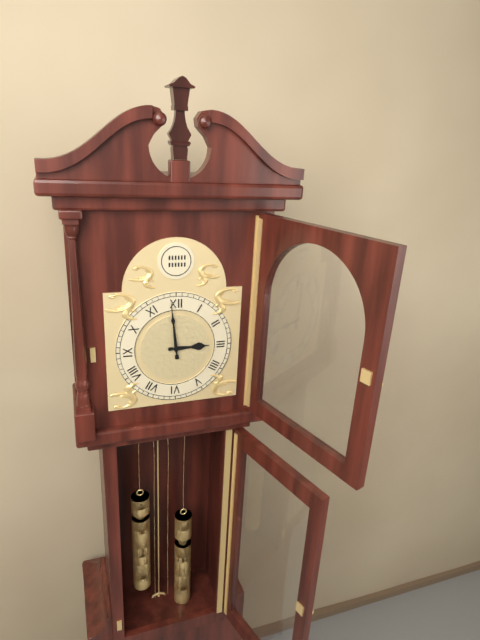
2:59
